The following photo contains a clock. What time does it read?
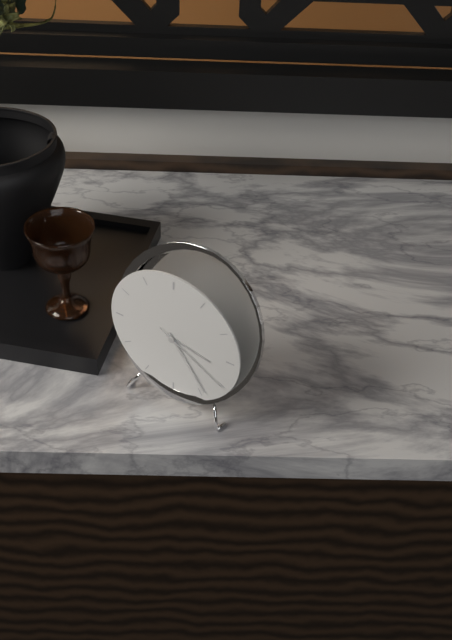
3:24:20
